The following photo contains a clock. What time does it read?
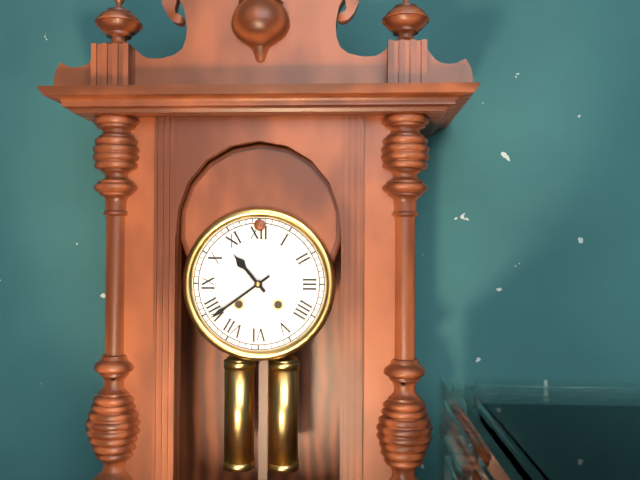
10:39
